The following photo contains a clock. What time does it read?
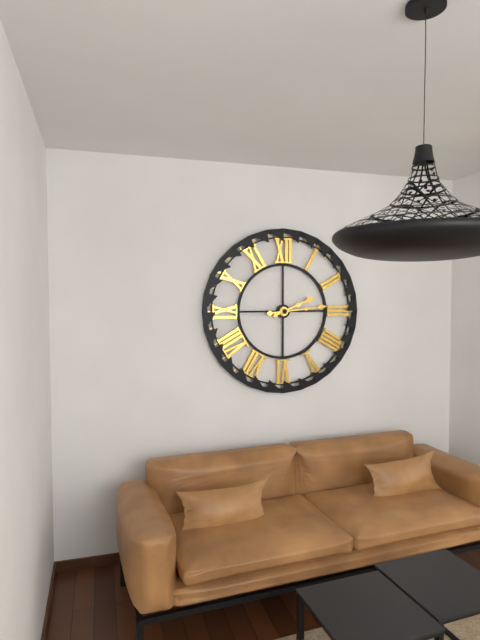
2:14
